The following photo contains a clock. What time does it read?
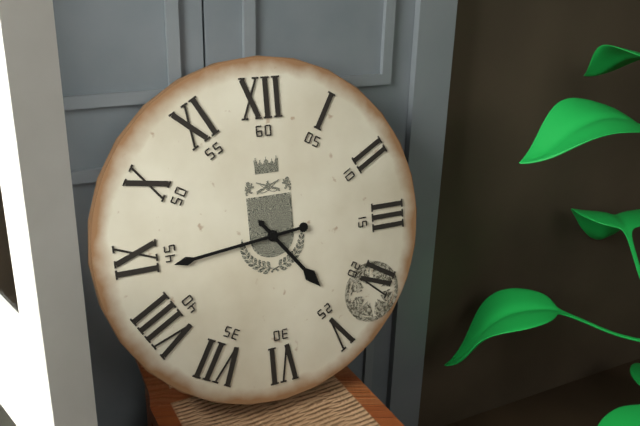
4:44
